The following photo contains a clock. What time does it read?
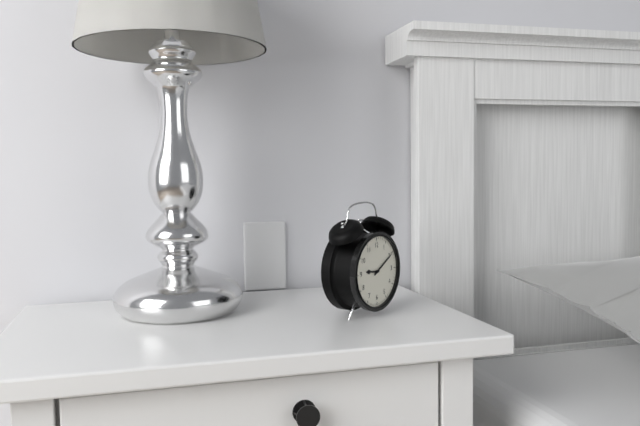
9:10
